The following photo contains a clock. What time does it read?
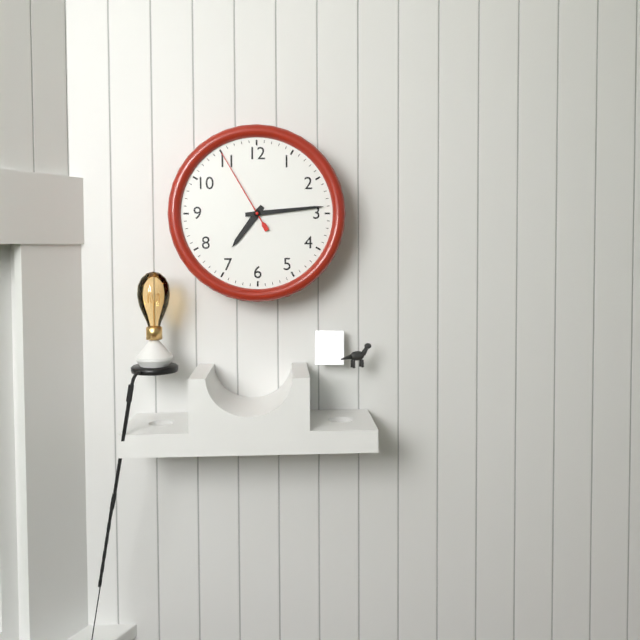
7:14:55
